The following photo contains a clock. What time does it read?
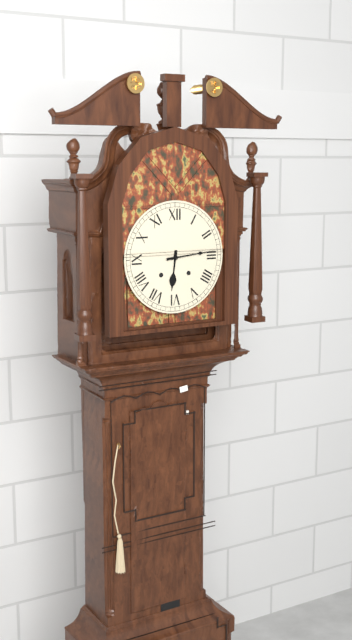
6:14
